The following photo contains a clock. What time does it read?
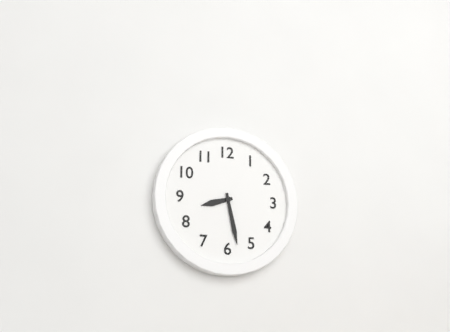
8:28
